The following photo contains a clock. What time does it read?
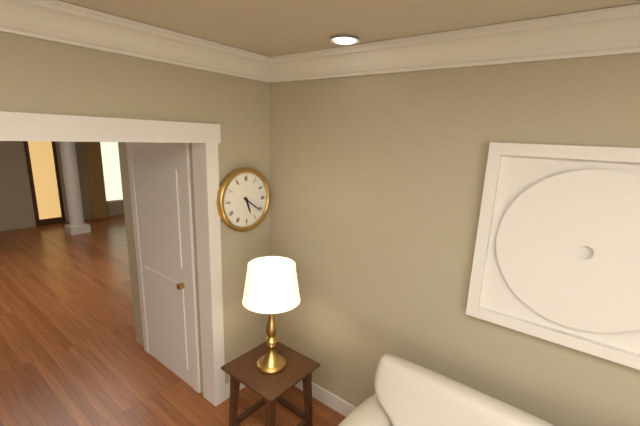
5:21
